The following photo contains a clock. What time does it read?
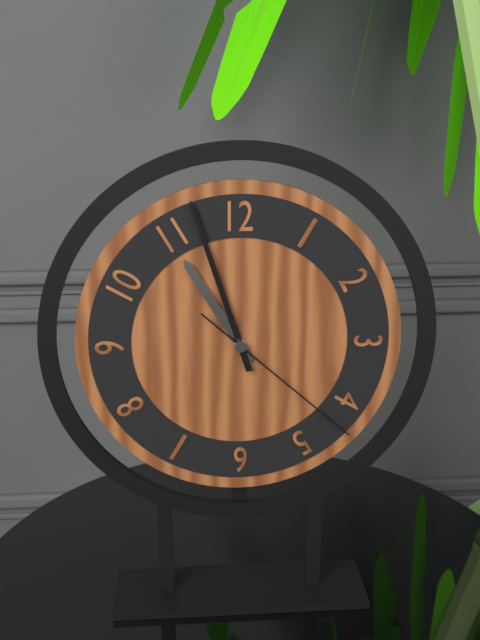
10:57:22
